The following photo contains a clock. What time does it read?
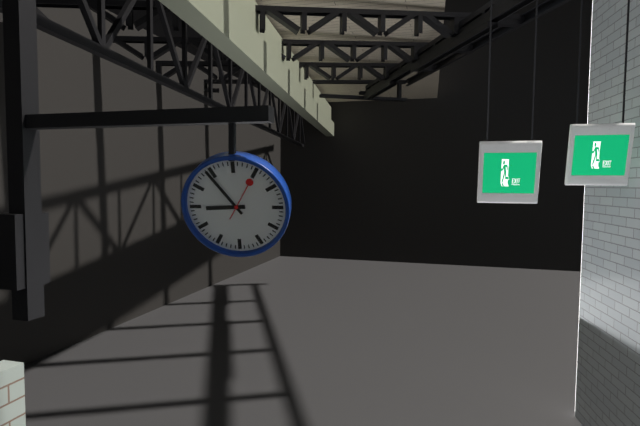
8:54
